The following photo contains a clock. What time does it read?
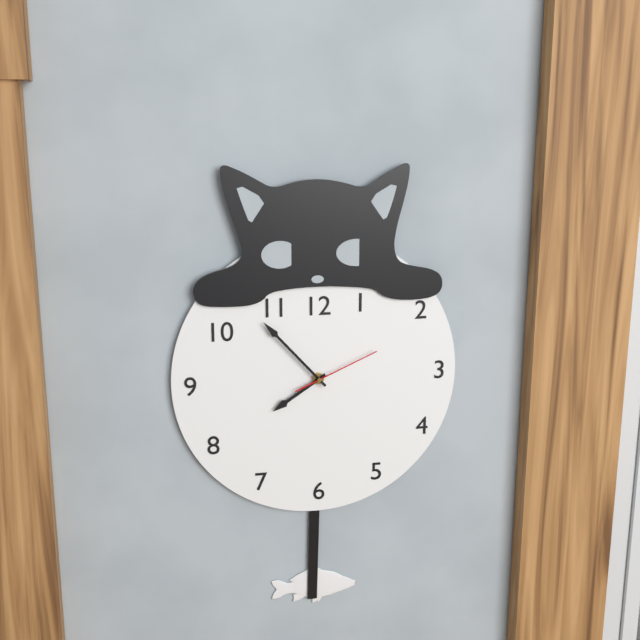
7:53:11
